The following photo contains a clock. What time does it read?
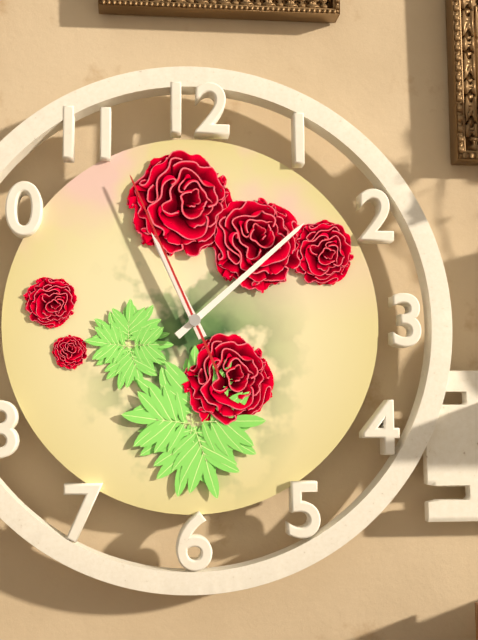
11:08:56
